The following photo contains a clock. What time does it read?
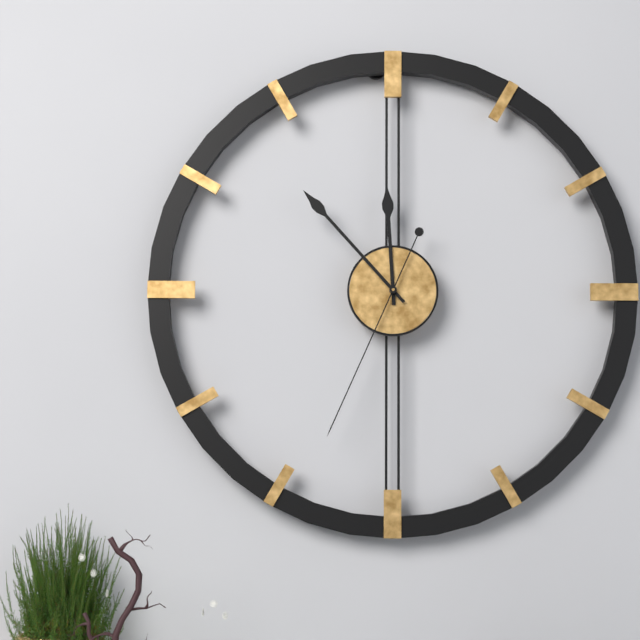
11:53:34
